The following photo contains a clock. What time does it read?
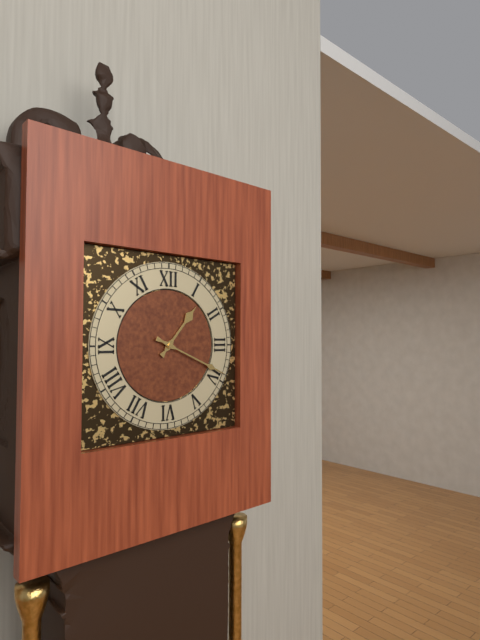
1:19
